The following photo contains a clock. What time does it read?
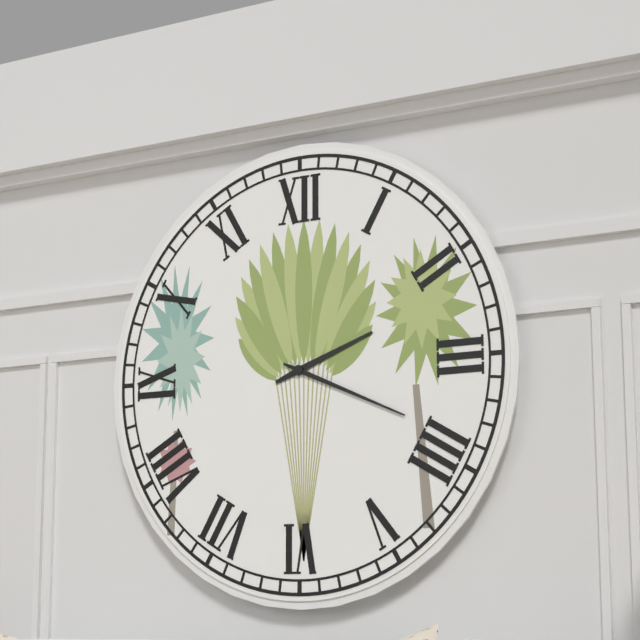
2:19
